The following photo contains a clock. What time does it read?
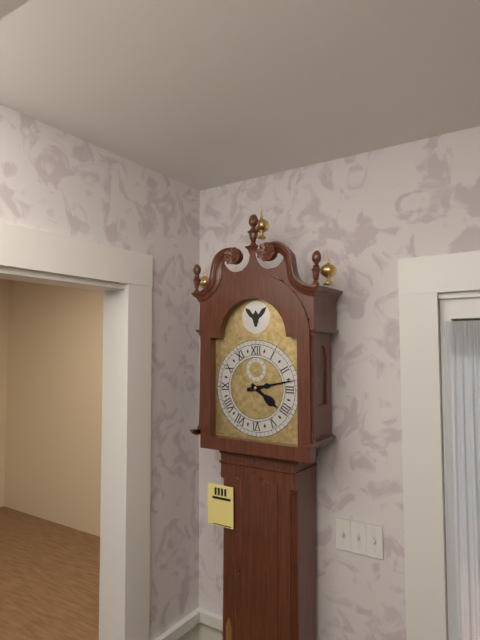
4:13
